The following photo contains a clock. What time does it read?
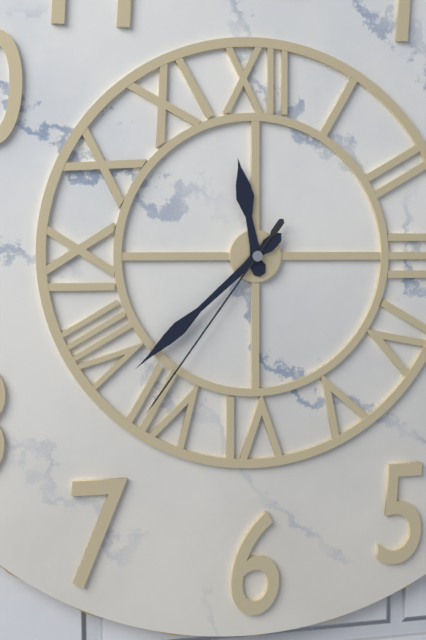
11:38:36
